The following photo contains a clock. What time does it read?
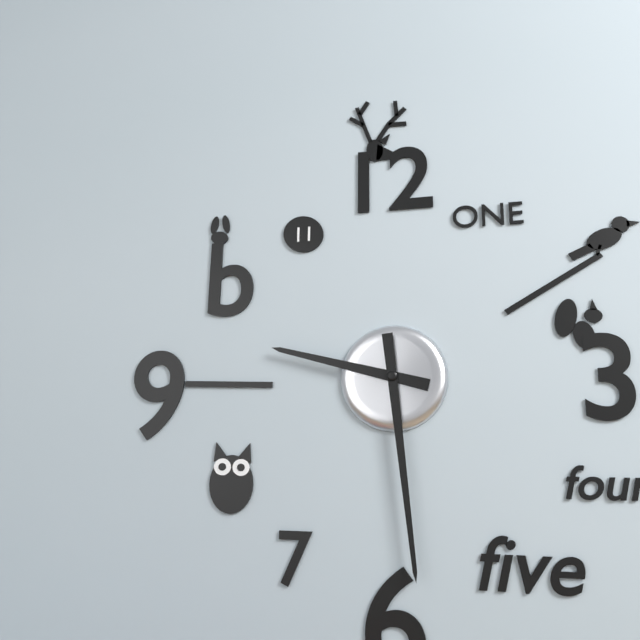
9:29
